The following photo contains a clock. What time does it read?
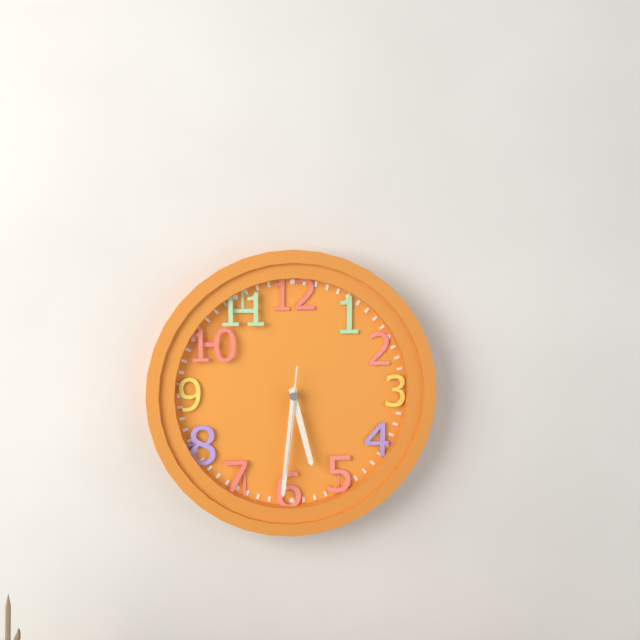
5:31:31
